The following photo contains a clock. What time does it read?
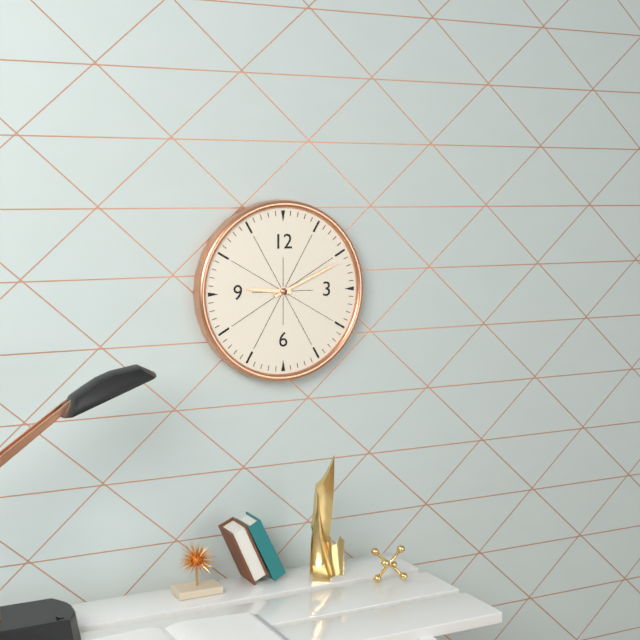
9:11
